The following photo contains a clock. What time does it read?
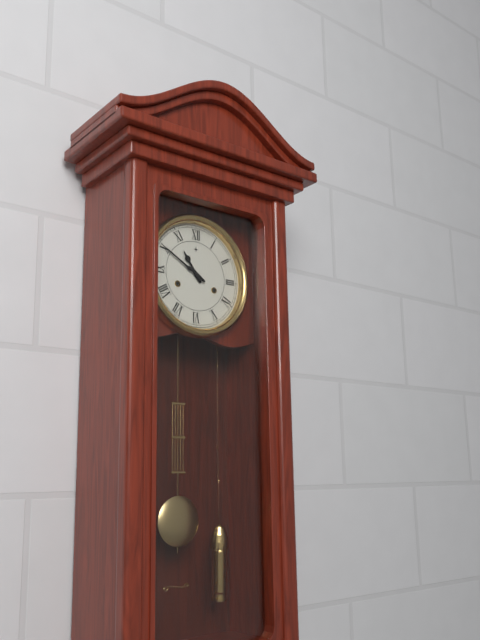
10:50
